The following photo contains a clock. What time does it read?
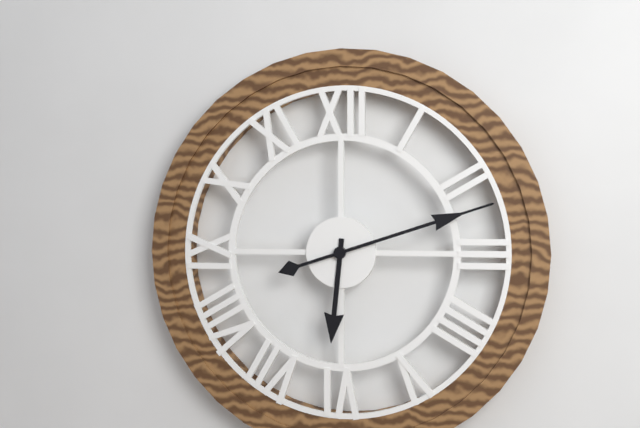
6:12
